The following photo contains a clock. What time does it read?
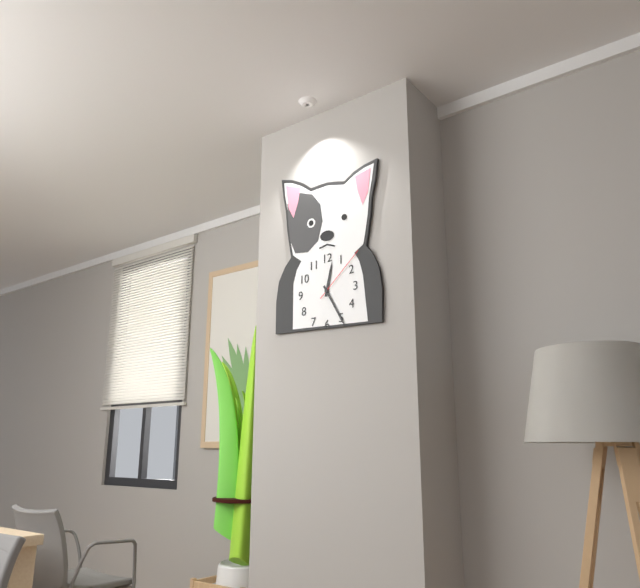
12:25:08
